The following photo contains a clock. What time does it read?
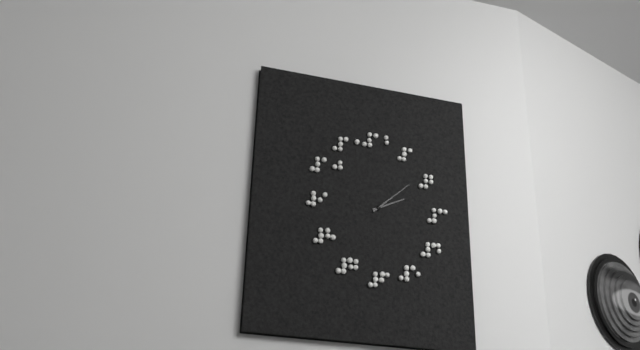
2:08
